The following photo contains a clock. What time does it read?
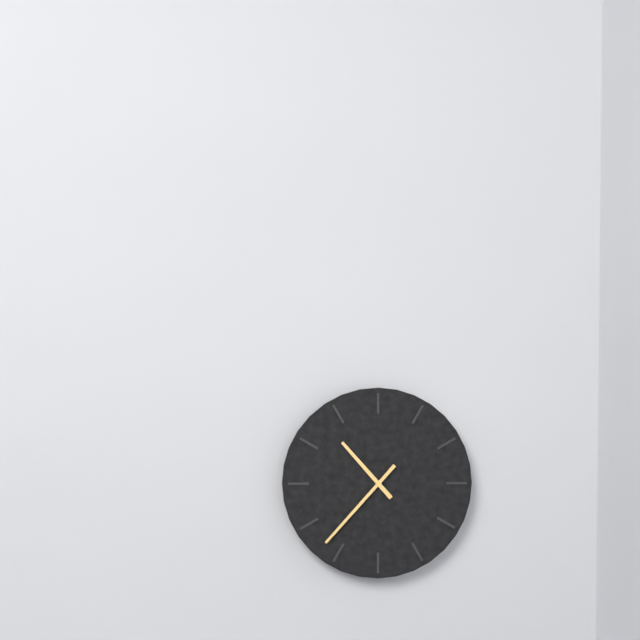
10:37
